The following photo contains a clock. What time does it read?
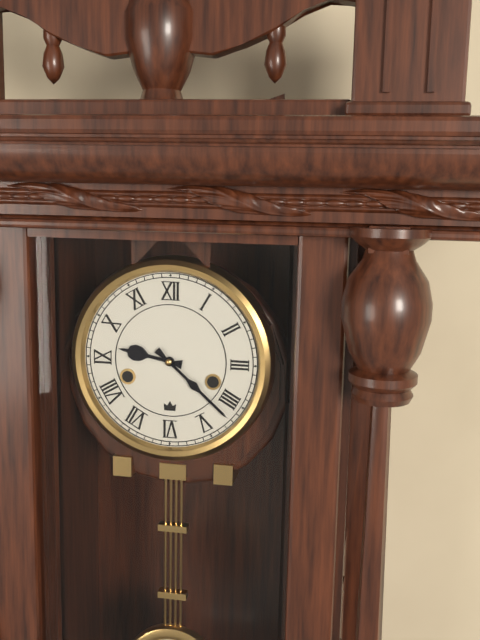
9:22
